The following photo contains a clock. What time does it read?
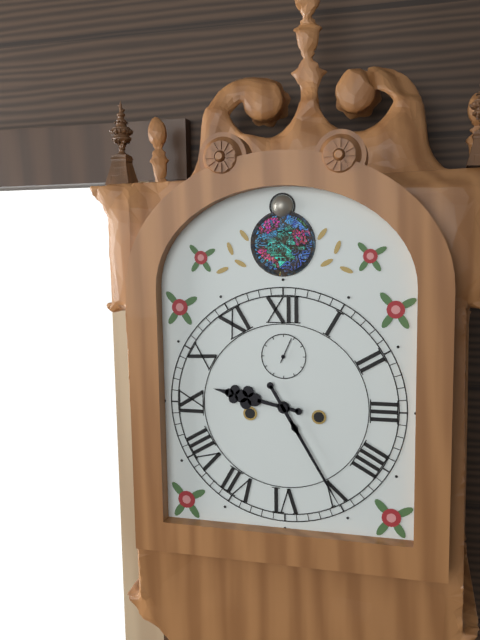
9:25
